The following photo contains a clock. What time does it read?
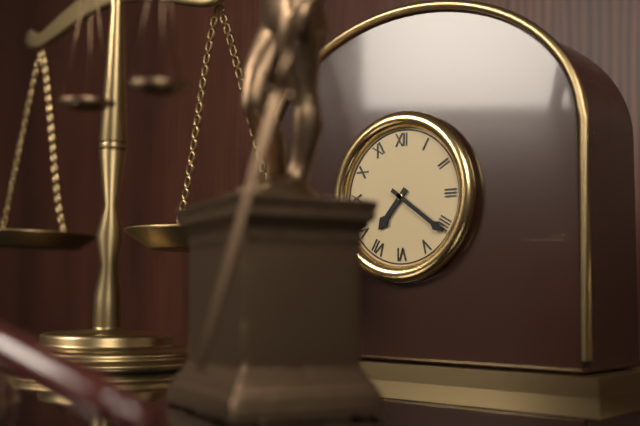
7:21
